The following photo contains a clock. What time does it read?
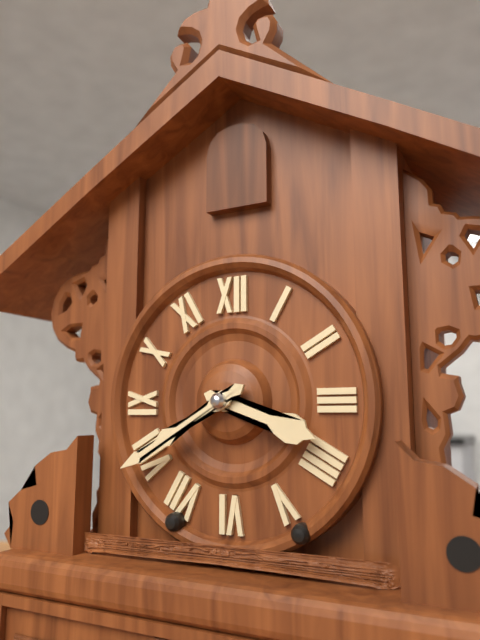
3:40
